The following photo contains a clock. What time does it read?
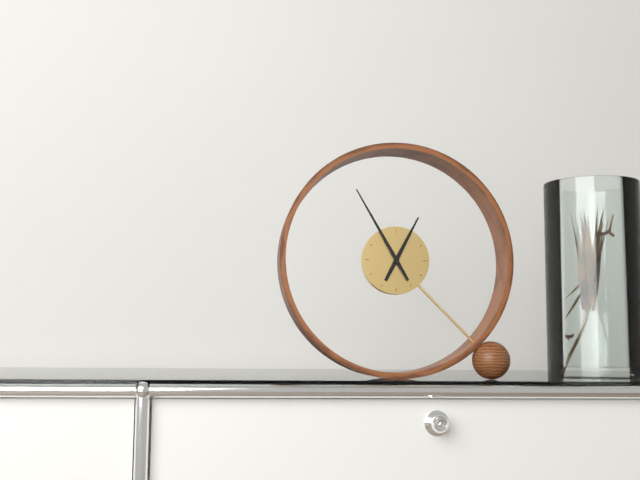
12:55
